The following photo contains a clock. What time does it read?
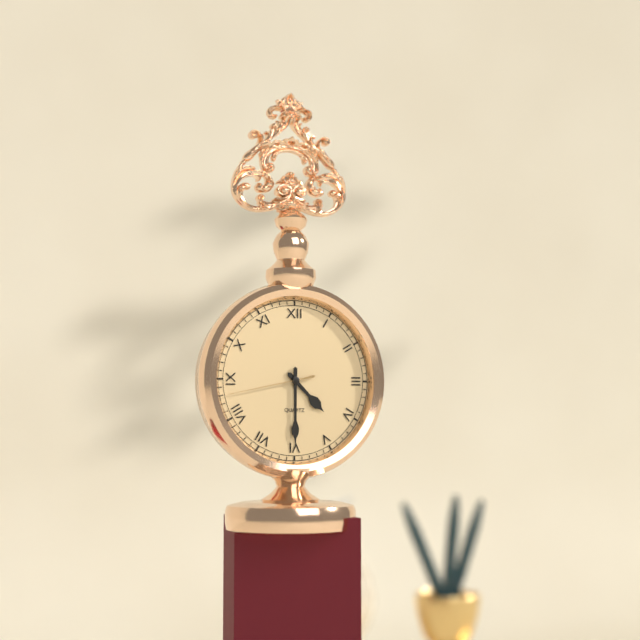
4:30:43
